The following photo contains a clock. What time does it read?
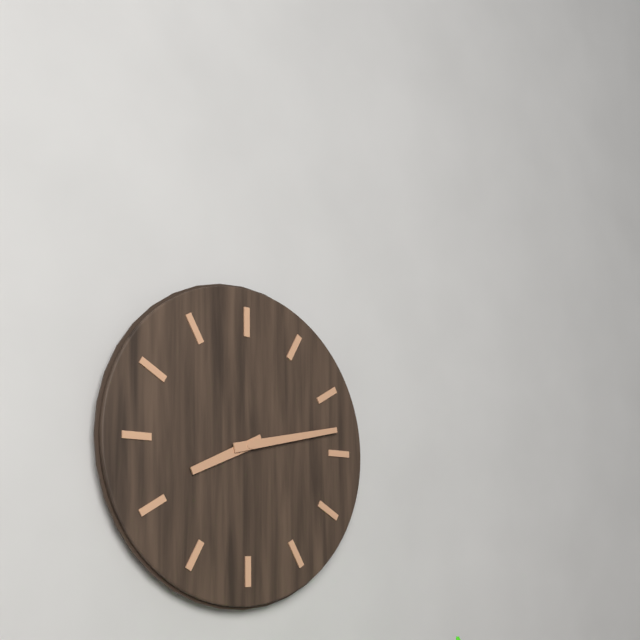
8:13
